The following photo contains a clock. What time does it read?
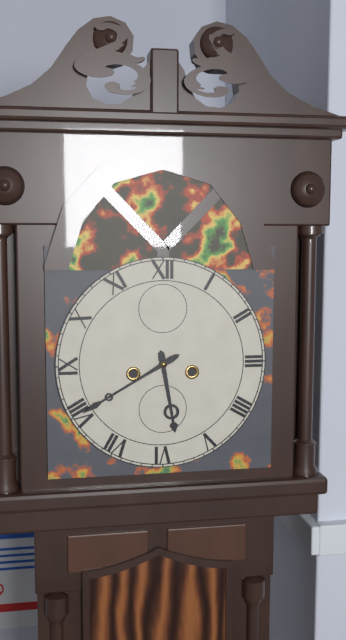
5:40
